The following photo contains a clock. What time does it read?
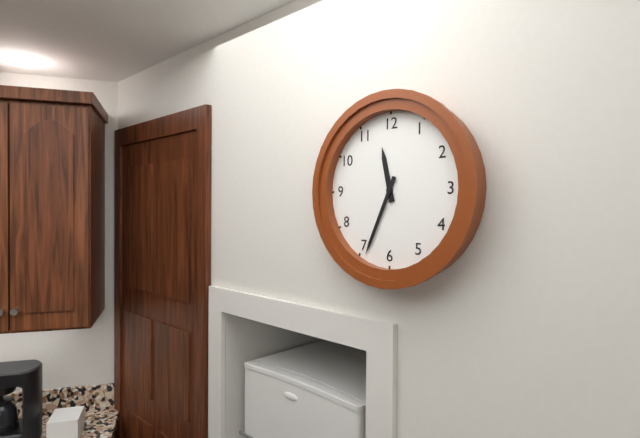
11:34
